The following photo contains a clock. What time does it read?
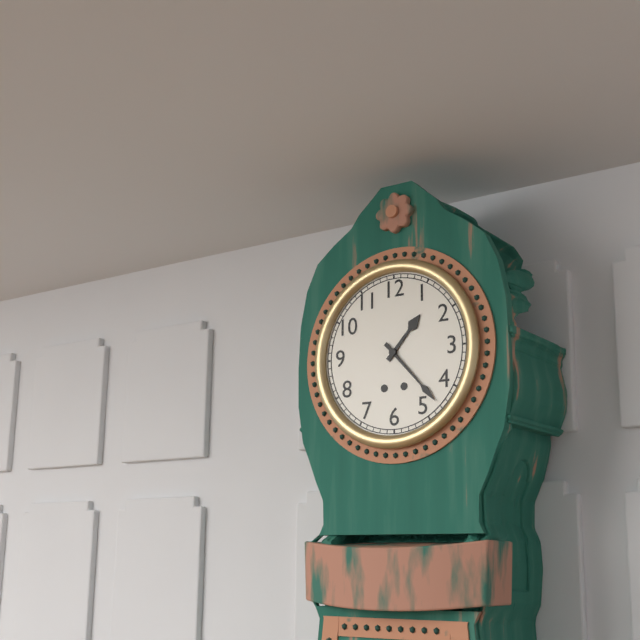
1:23
